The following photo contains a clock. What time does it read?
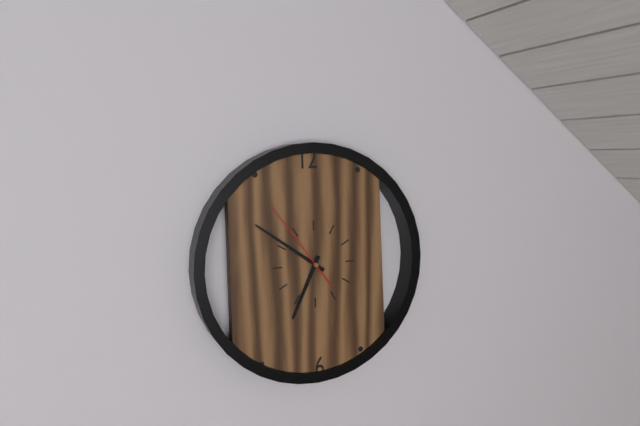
6:51:54
